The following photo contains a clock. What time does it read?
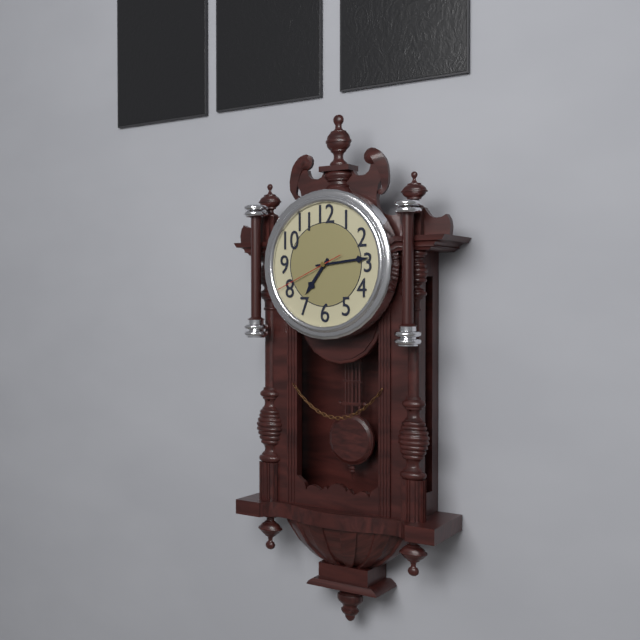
7:14:41
